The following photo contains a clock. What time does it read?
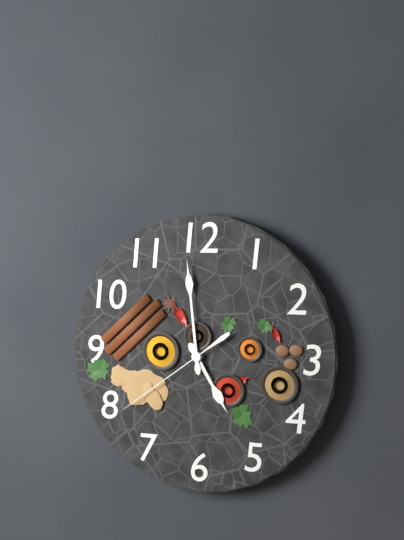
4:59:39
